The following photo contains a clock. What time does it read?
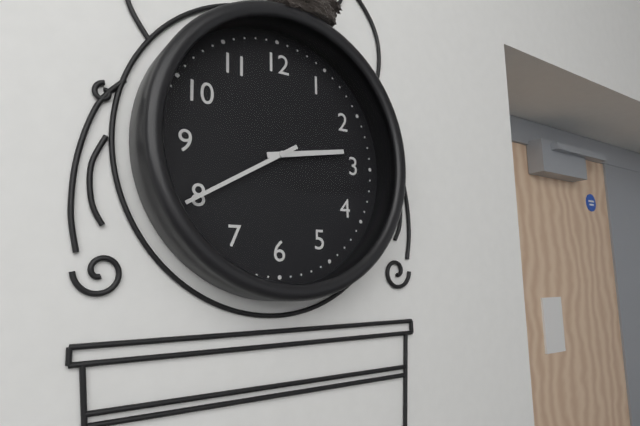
2:40
